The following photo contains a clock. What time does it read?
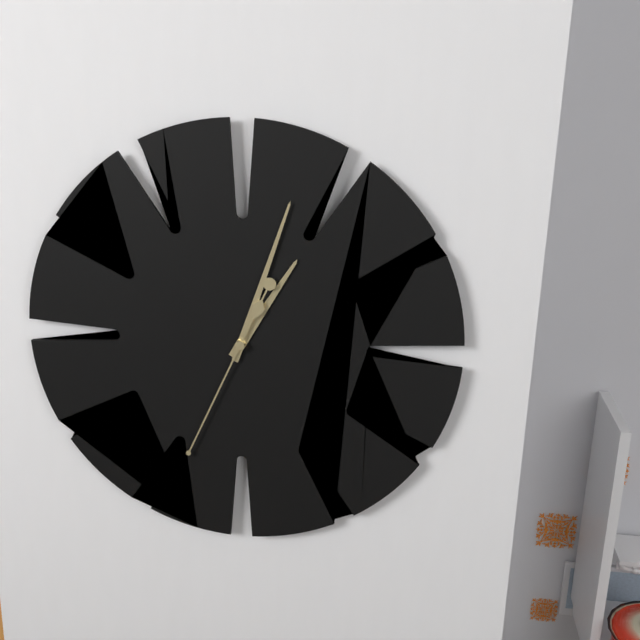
1:03:34
